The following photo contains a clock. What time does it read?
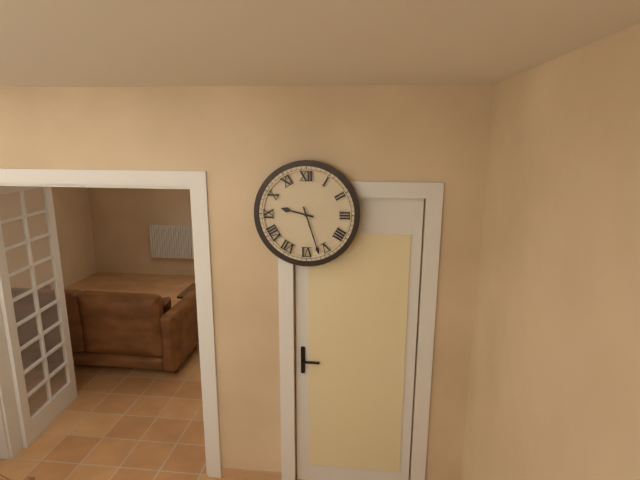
9:27
